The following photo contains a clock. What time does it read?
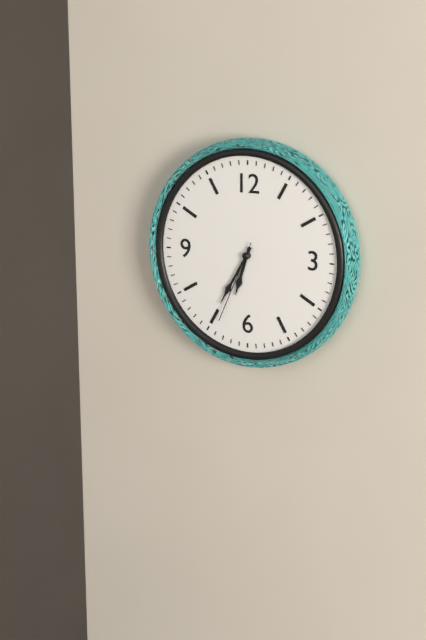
6:35:34
